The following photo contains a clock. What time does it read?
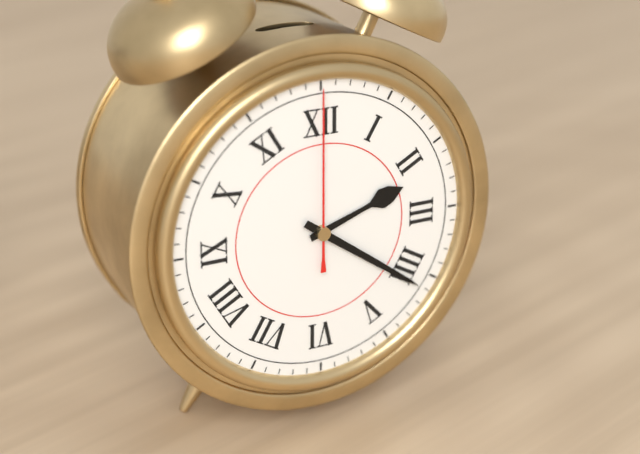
2:21:00
